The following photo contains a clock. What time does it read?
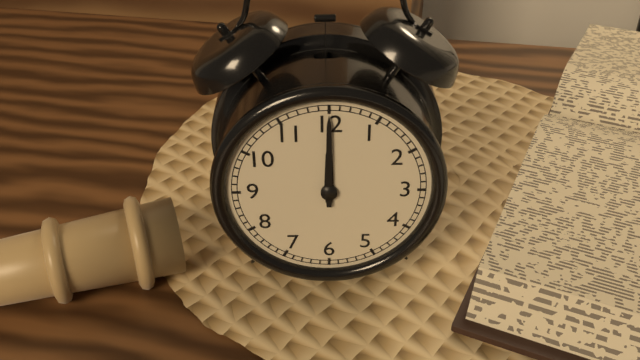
12:00
